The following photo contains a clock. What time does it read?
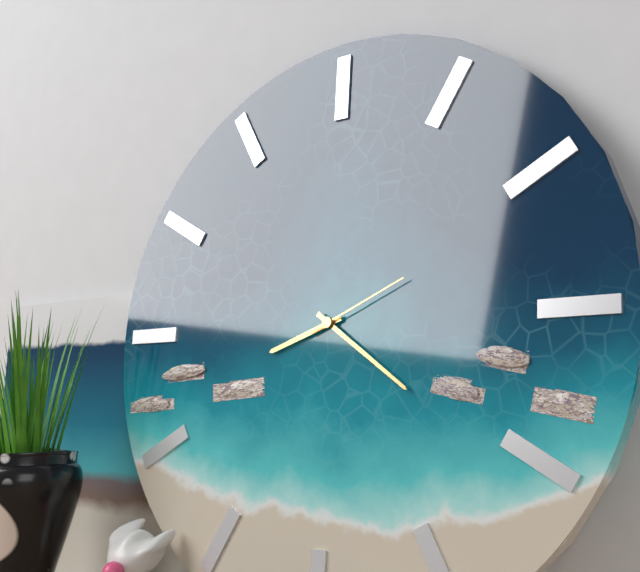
8:21:11
